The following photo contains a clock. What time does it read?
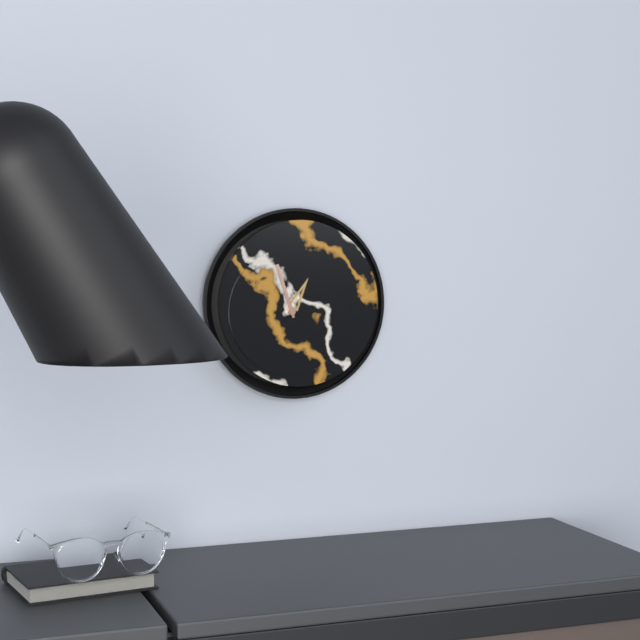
12:57
